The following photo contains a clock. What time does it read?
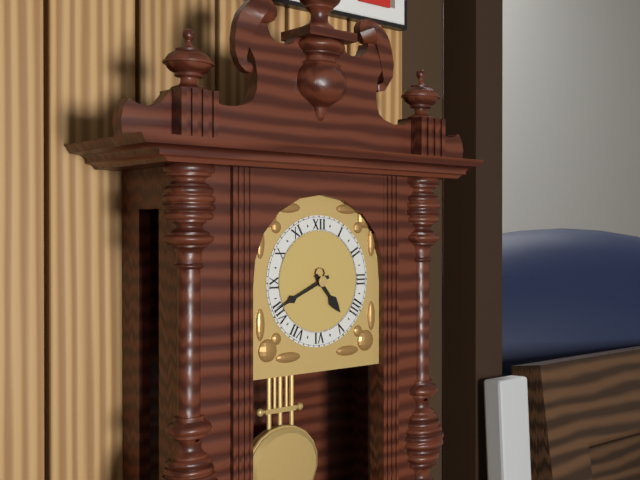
4:41
